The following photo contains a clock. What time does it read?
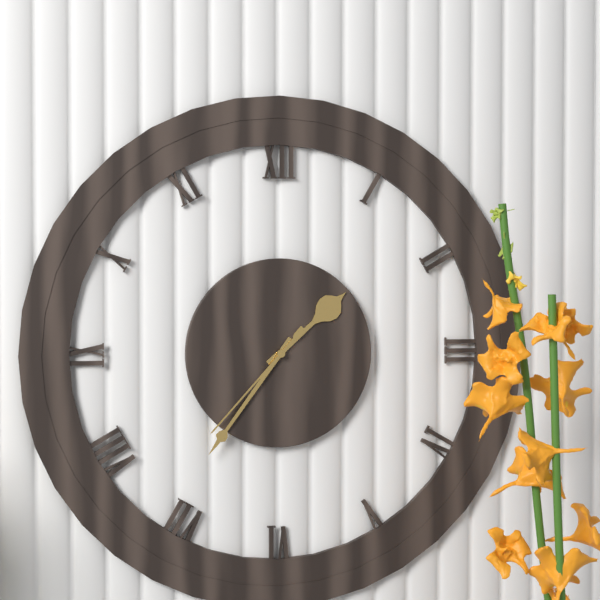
1:36:37
